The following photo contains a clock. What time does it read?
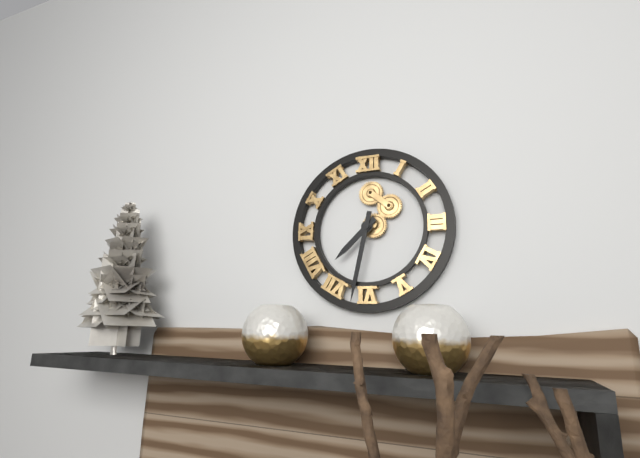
7:32
